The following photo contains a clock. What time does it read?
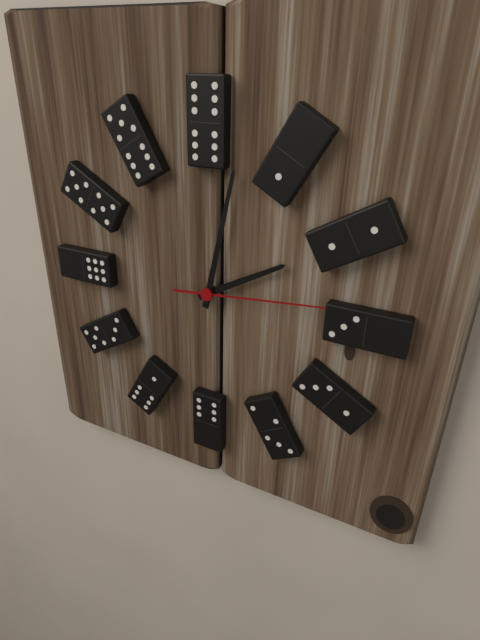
2:02:14
